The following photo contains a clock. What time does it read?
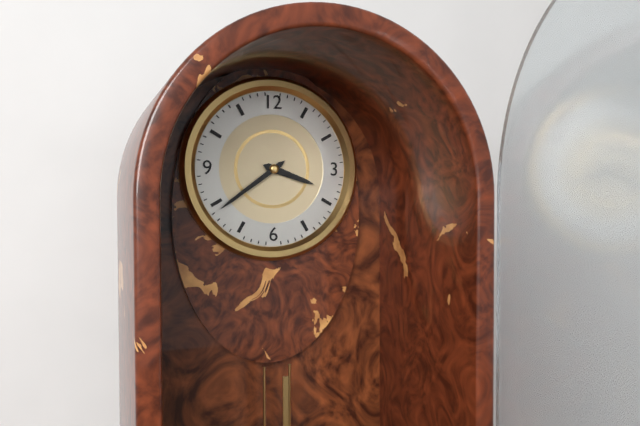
3:39
